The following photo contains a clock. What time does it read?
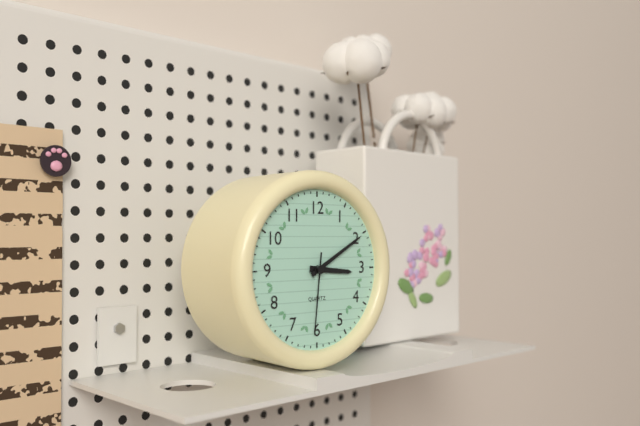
3:10:31
